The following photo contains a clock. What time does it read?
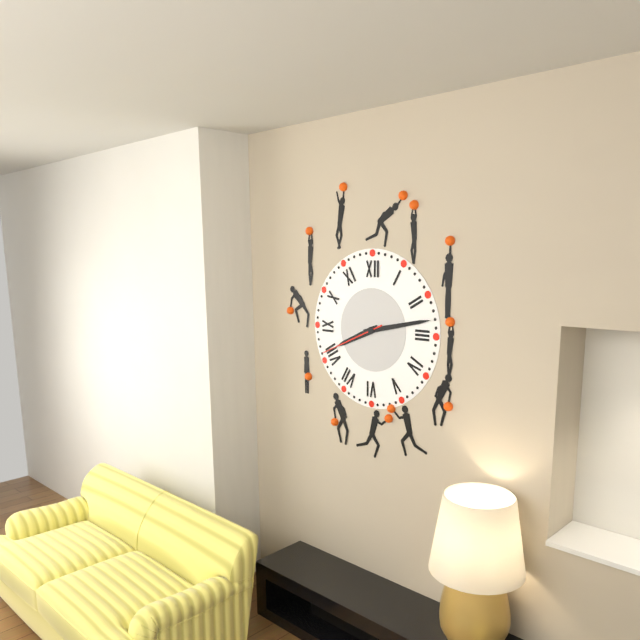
8:13:41
